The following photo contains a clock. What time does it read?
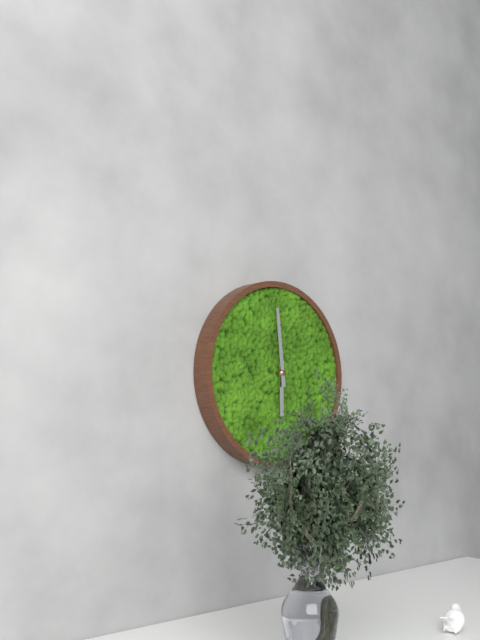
5:59
